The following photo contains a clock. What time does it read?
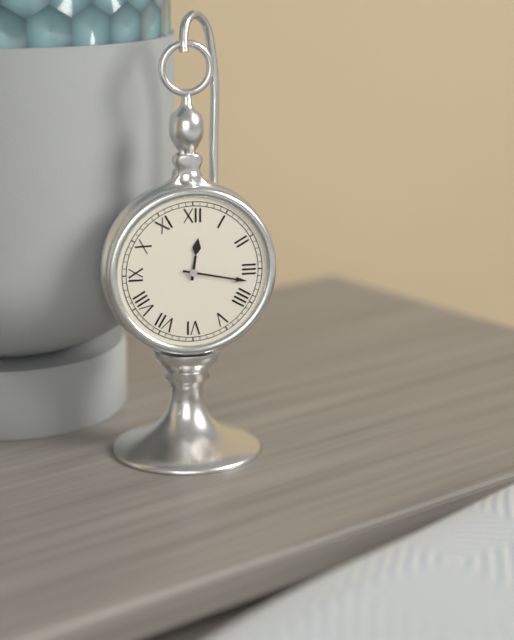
12:17
